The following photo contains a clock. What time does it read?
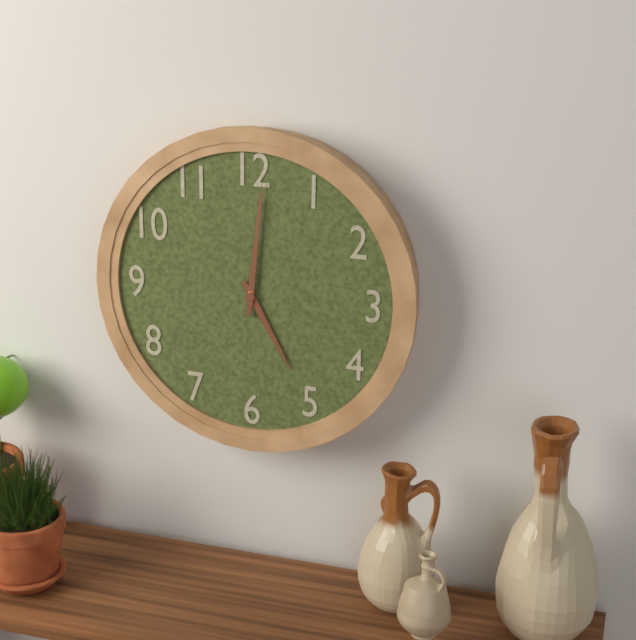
5:01
